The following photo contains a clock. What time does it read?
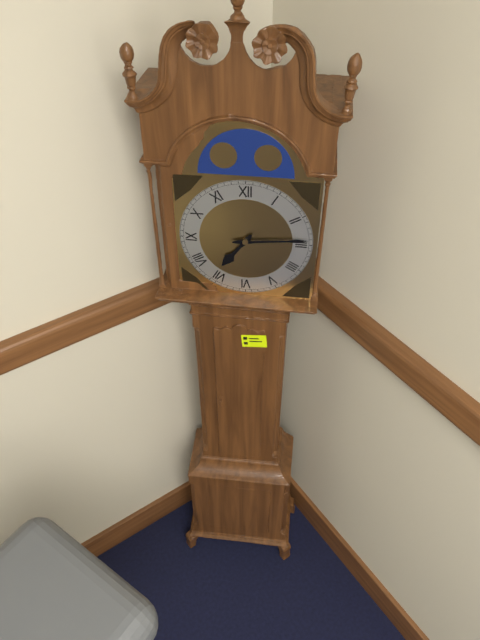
7:14
